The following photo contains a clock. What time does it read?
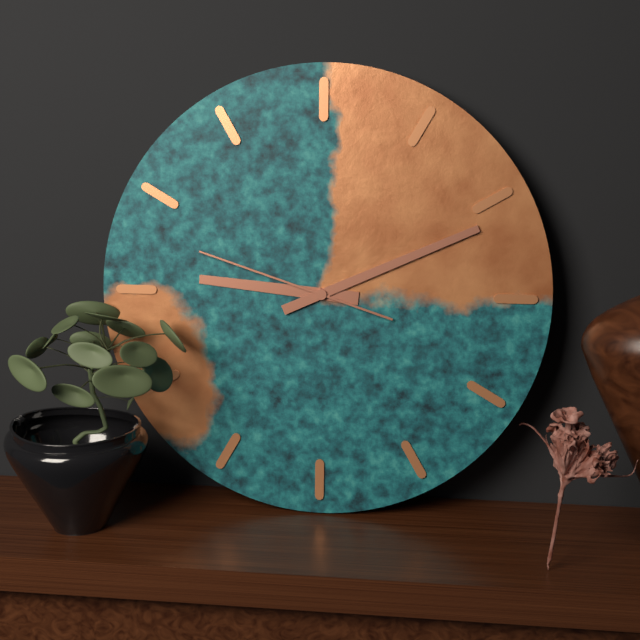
9:11:48
